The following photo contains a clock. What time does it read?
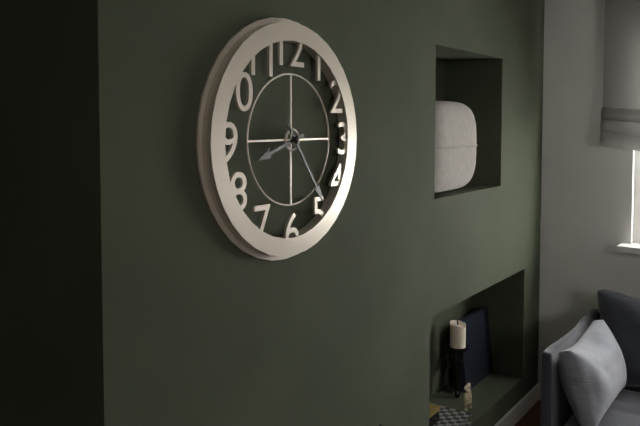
8:24
